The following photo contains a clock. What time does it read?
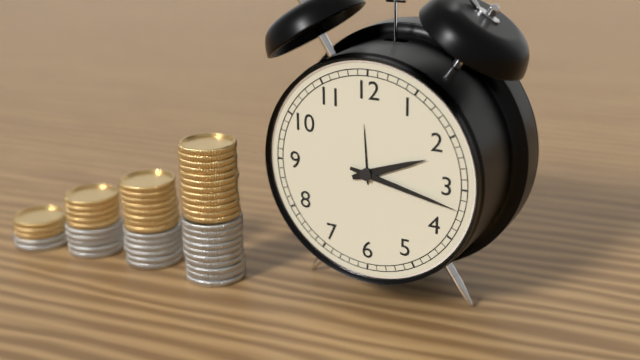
2:17
